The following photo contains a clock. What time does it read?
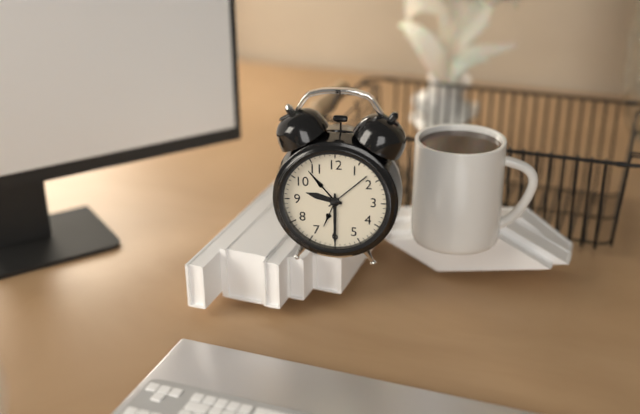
9:30
